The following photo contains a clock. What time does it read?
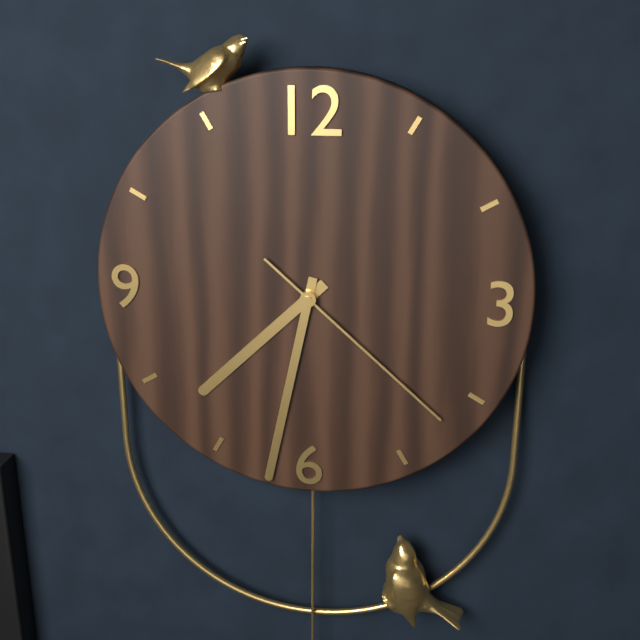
7:32:22
